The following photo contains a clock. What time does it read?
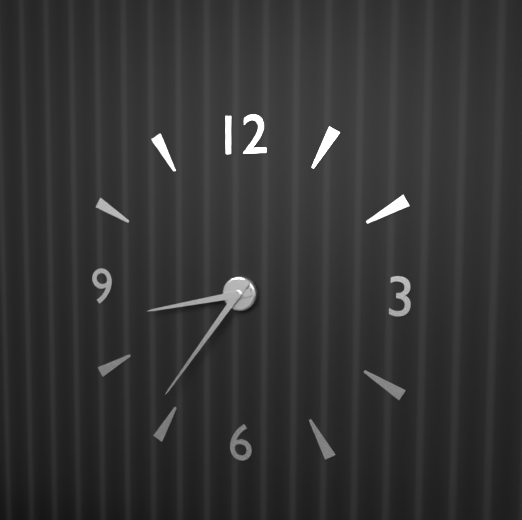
8:36
